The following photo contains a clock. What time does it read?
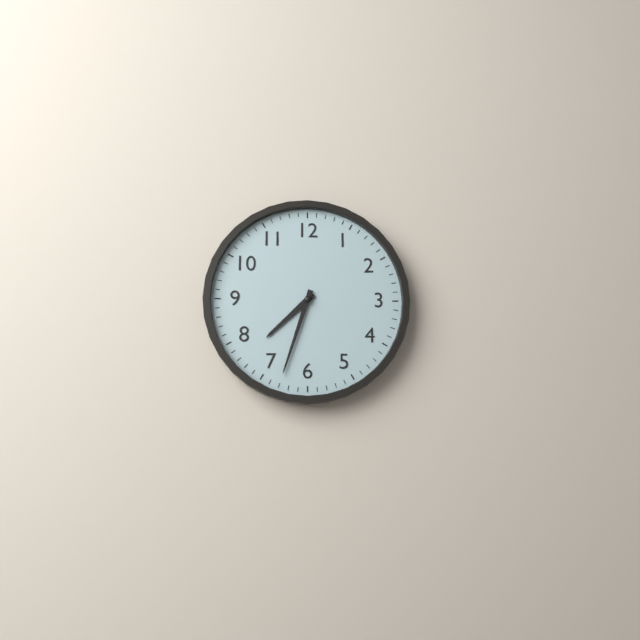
7:33
